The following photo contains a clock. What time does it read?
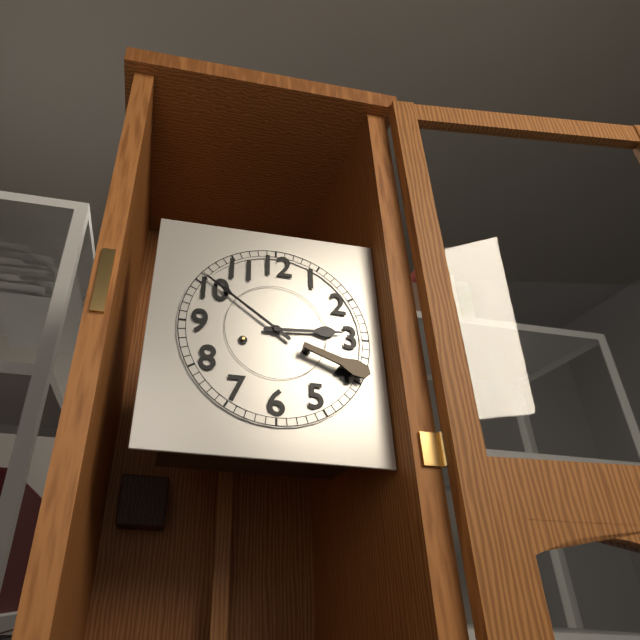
2:51
